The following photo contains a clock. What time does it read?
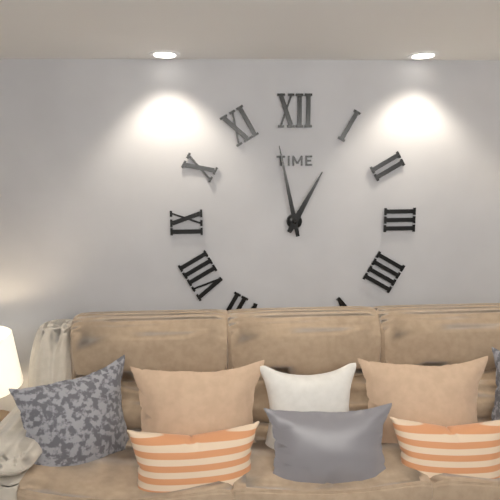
12:58
